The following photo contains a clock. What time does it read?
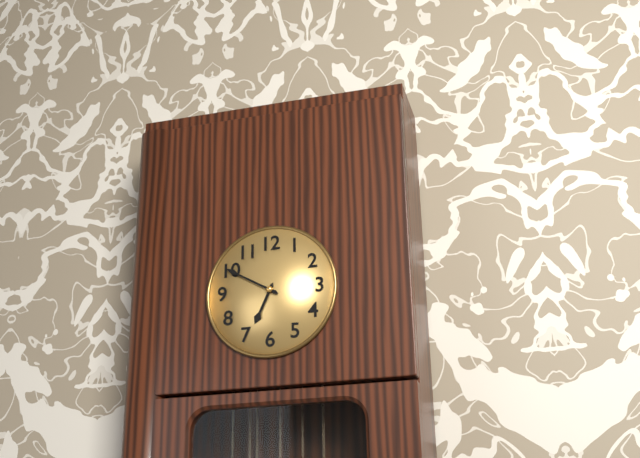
6:50
